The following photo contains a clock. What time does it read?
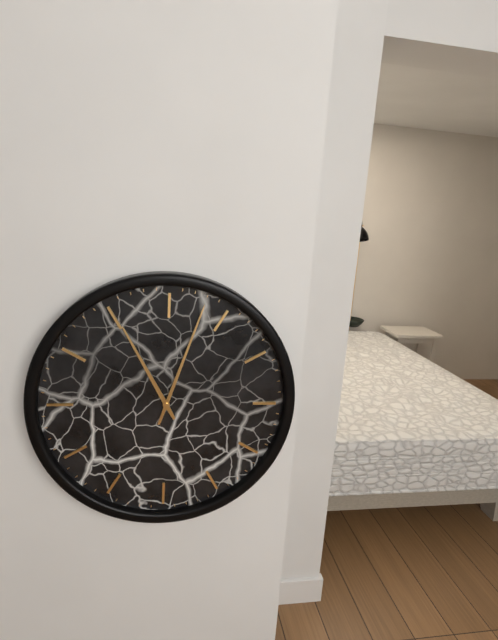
11:03
